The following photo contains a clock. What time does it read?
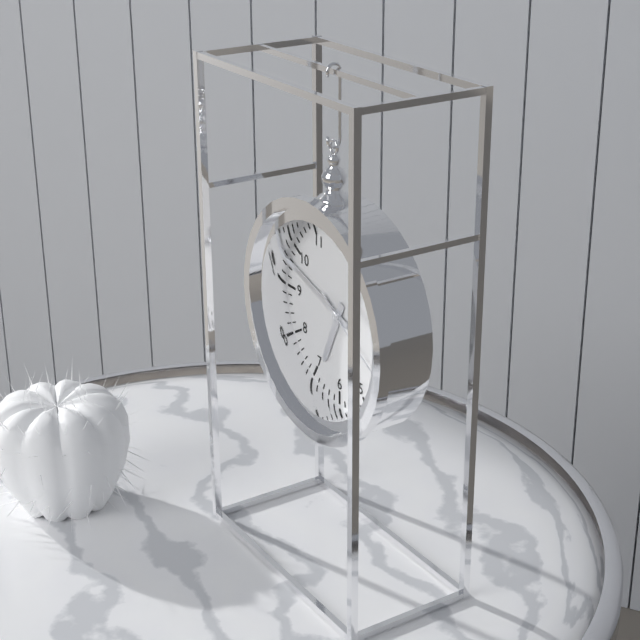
6:48
